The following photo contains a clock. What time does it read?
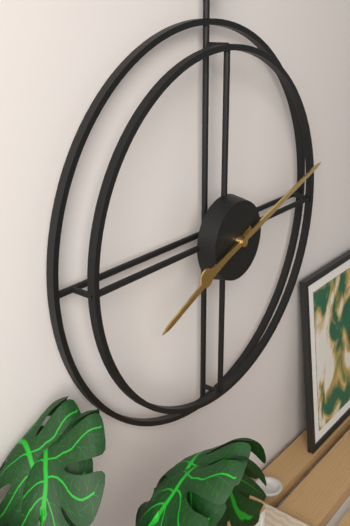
8:12
